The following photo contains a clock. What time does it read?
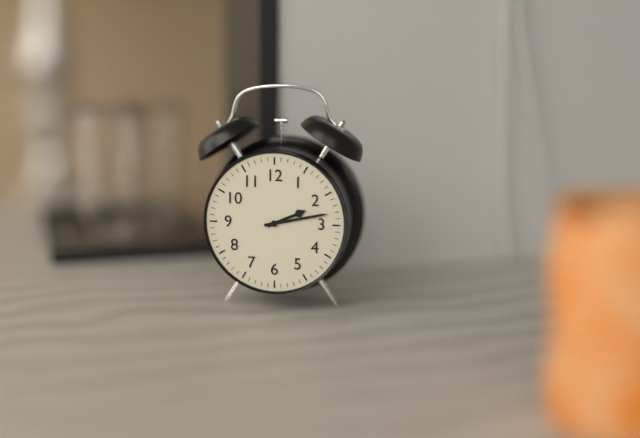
2:13
